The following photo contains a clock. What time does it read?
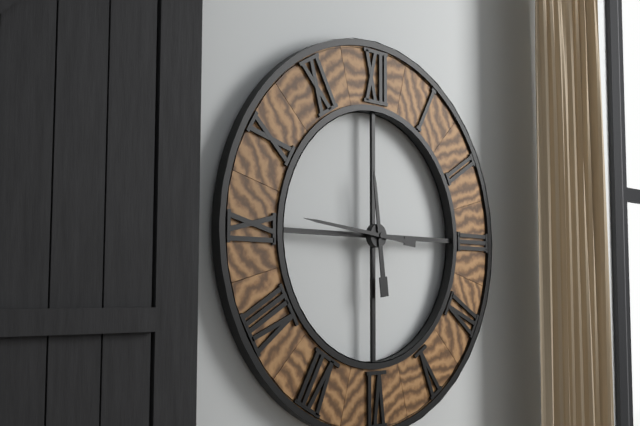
11:46
